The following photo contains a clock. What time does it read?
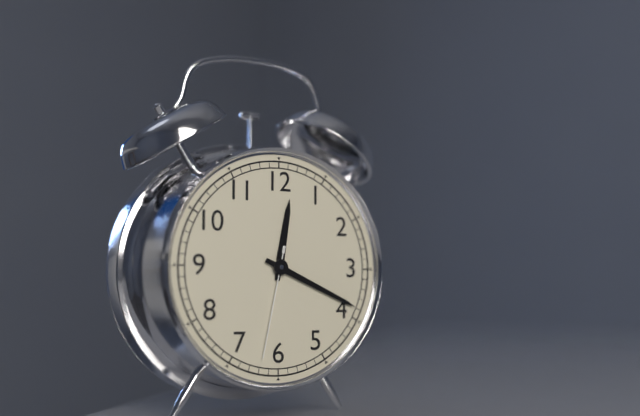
12:19:32
